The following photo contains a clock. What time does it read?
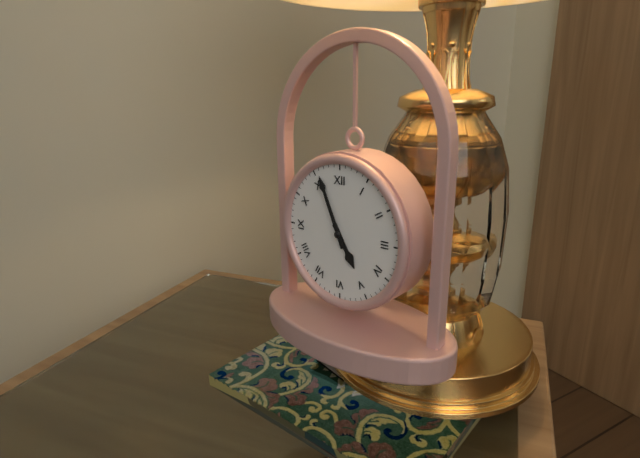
4:56
